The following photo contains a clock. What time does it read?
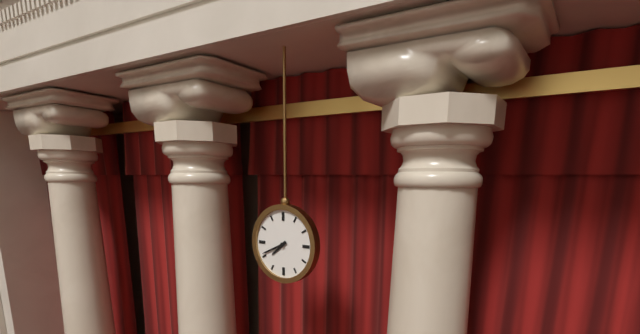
7:41
